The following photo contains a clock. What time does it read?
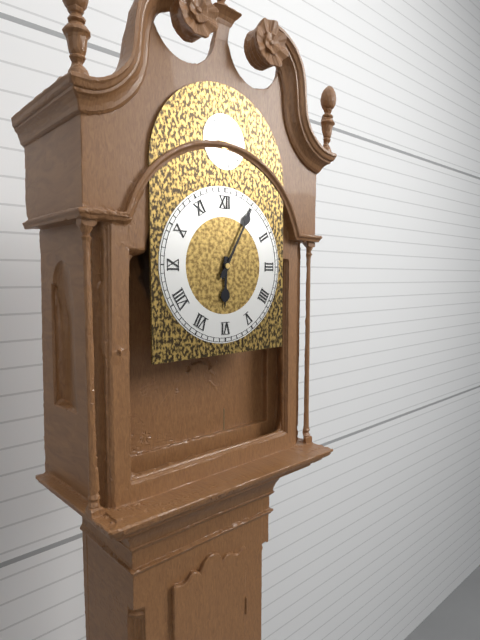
6:05
